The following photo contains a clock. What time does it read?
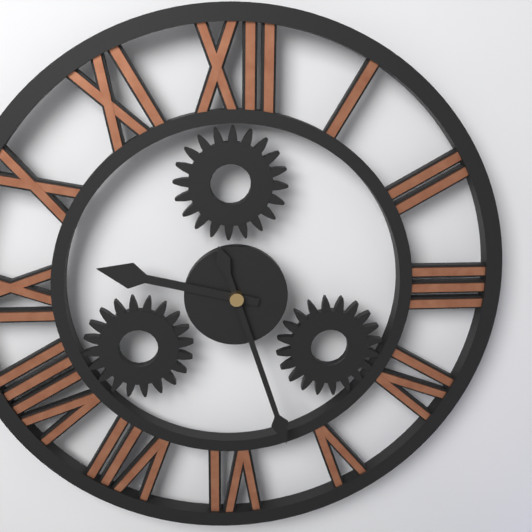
9:27
